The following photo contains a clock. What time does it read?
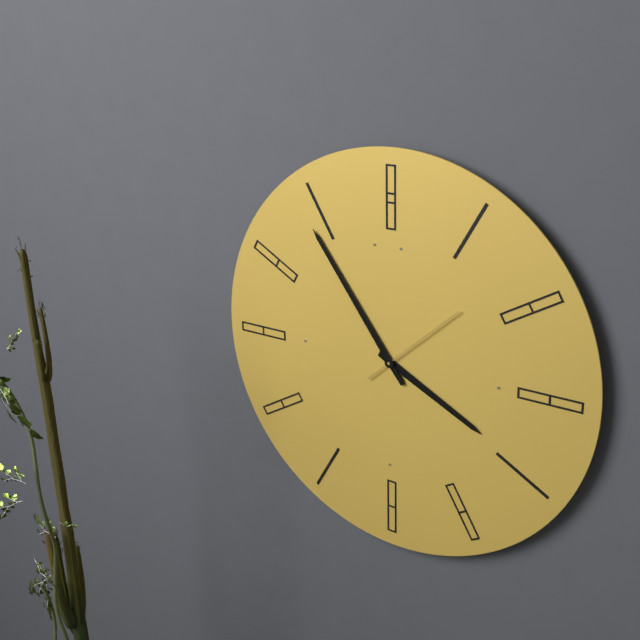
3:54:08
